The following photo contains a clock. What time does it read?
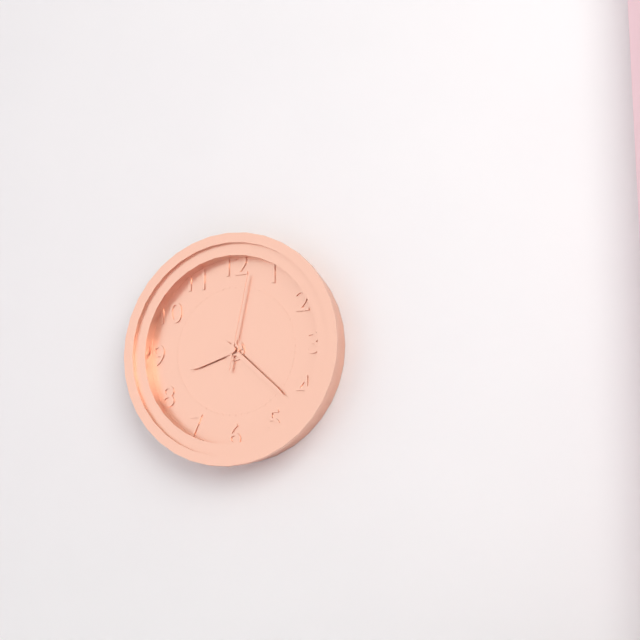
8:22:02
